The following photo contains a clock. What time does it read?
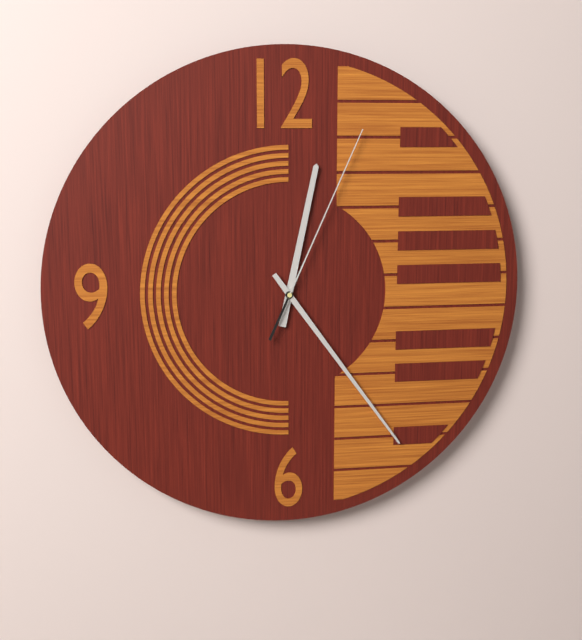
12:24:04
